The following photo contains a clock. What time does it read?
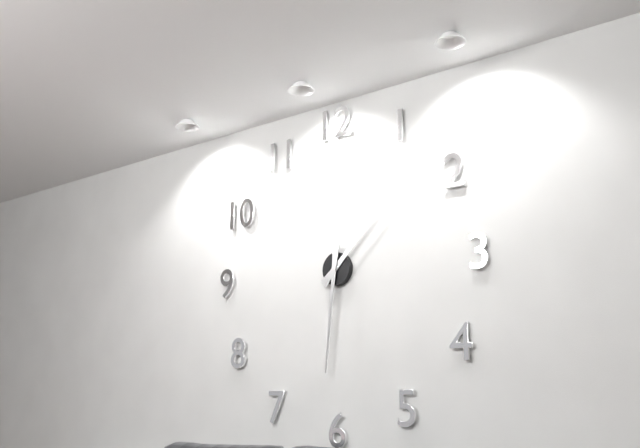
1:31
